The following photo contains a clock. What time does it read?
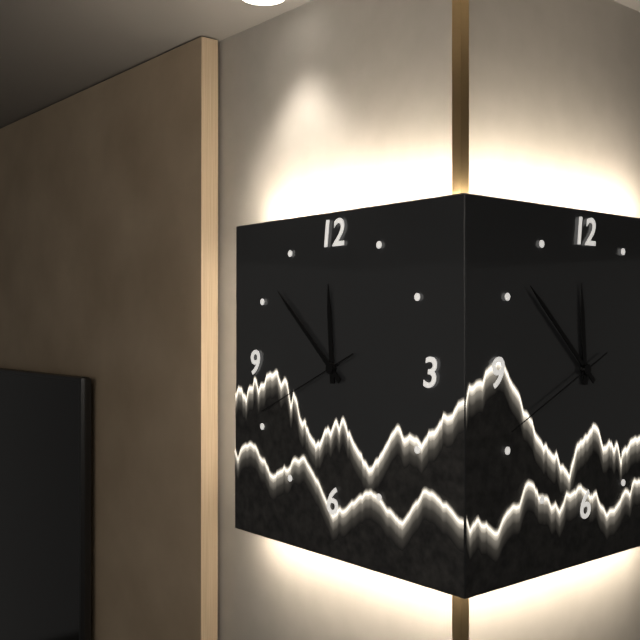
11:52:41
